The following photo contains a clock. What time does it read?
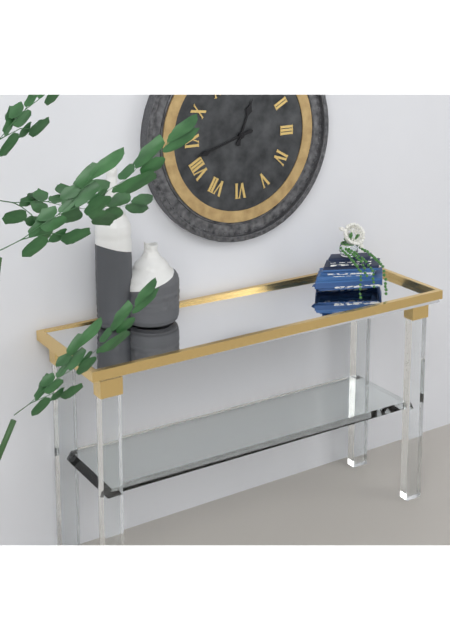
12:42
